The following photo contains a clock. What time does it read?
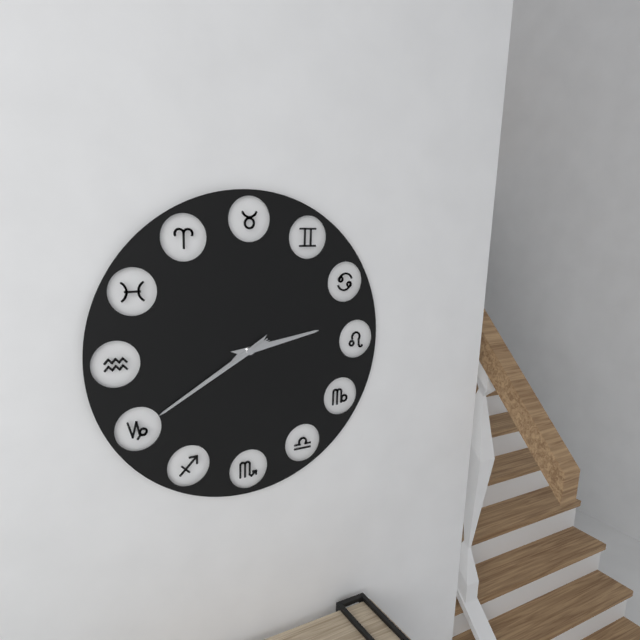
2:40:40
